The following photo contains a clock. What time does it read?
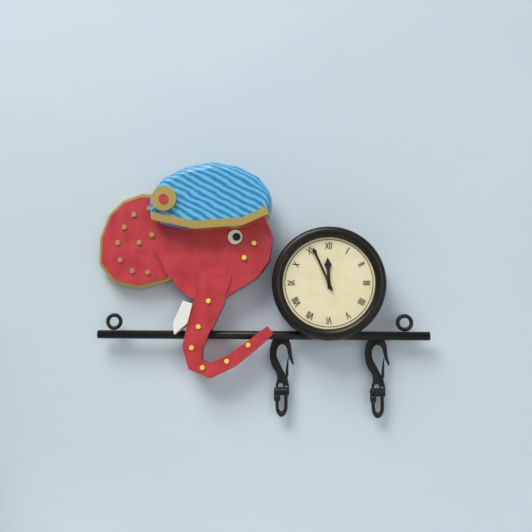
11:56
